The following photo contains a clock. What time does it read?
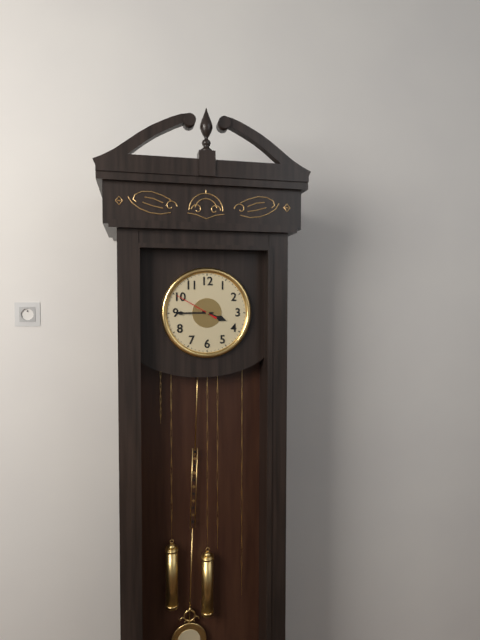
3:45
